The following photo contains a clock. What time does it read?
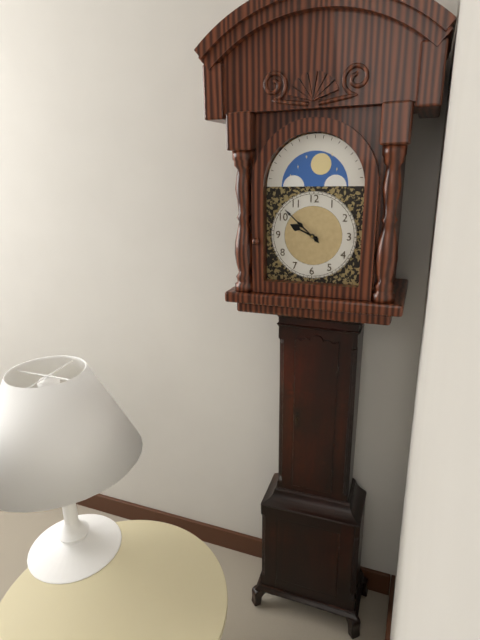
9:52
